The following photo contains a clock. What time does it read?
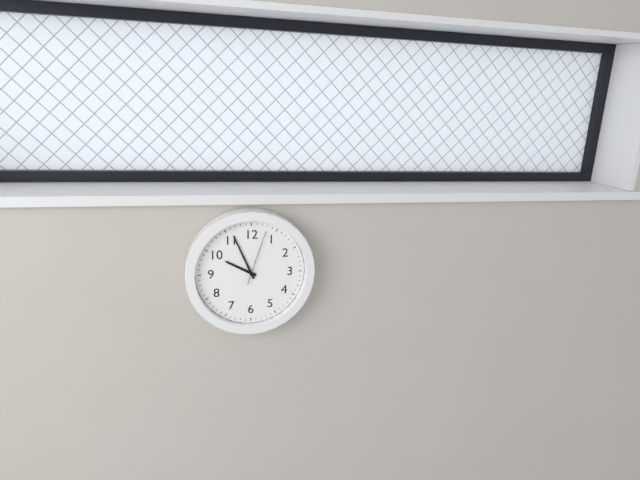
9:56:03
